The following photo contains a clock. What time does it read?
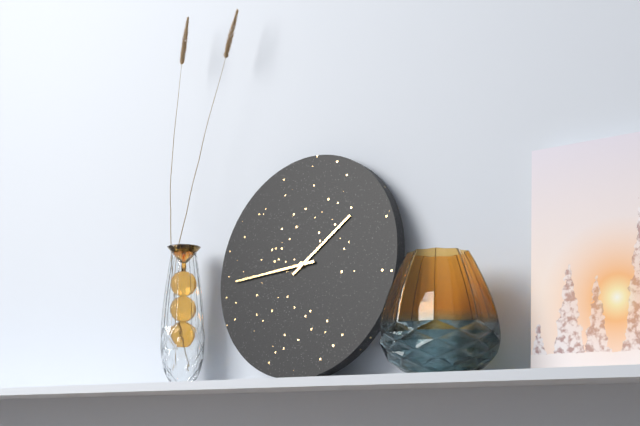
1:44
